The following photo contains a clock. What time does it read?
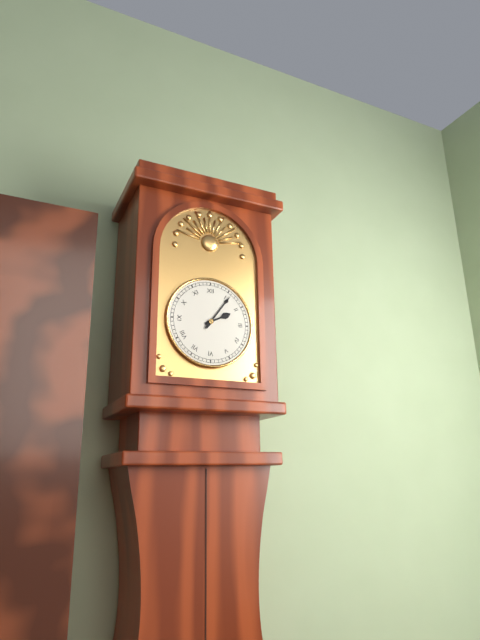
2:06
